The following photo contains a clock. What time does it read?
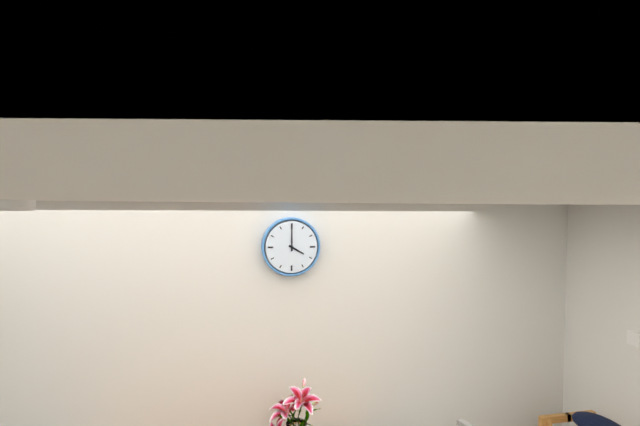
4:00
